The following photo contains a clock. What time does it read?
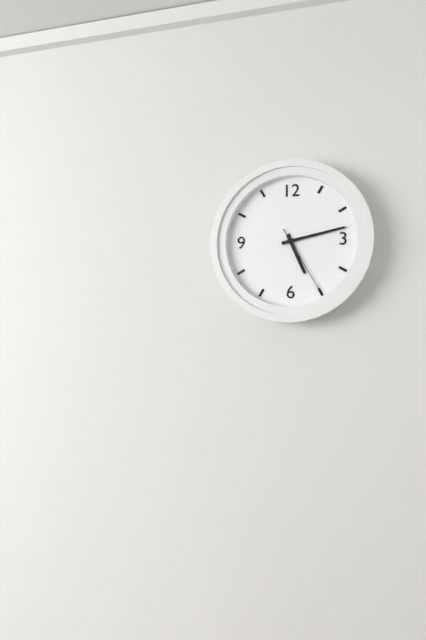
5:13:25
